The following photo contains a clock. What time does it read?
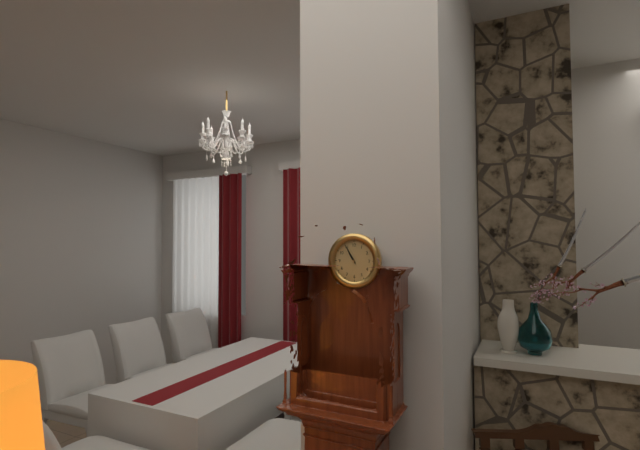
10:55
